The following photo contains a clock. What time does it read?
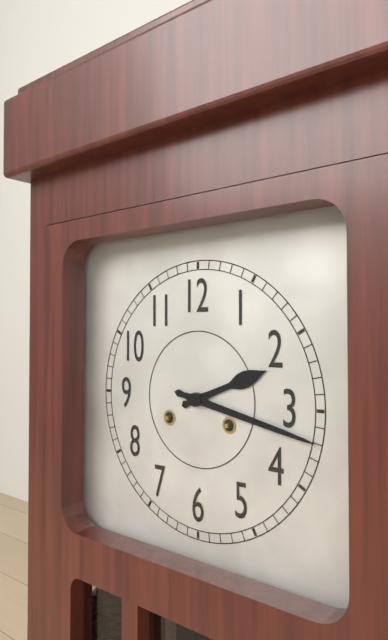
2:17
